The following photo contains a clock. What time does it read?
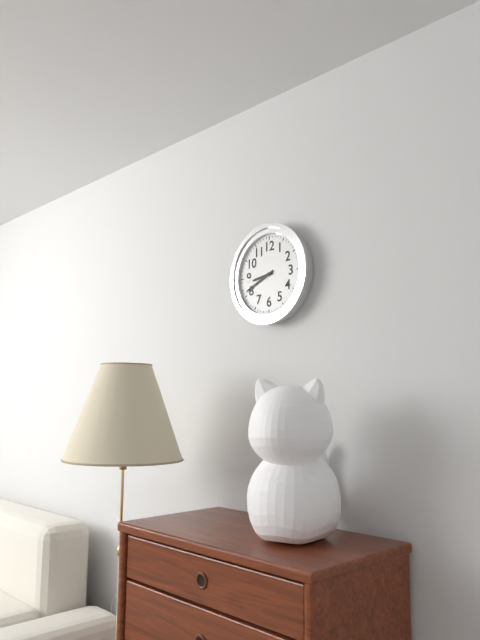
8:41
